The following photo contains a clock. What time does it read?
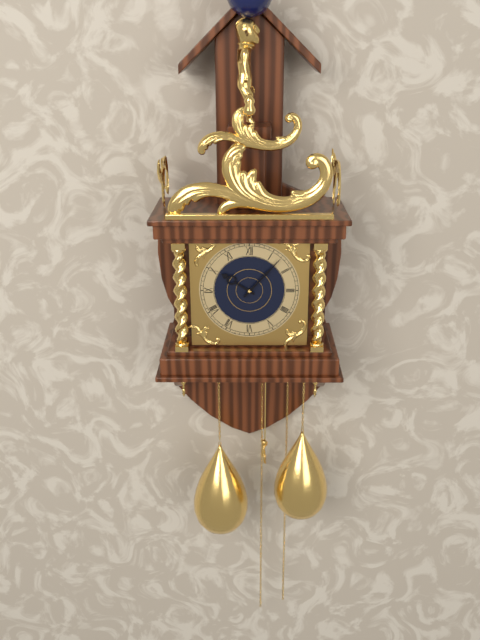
10:07
